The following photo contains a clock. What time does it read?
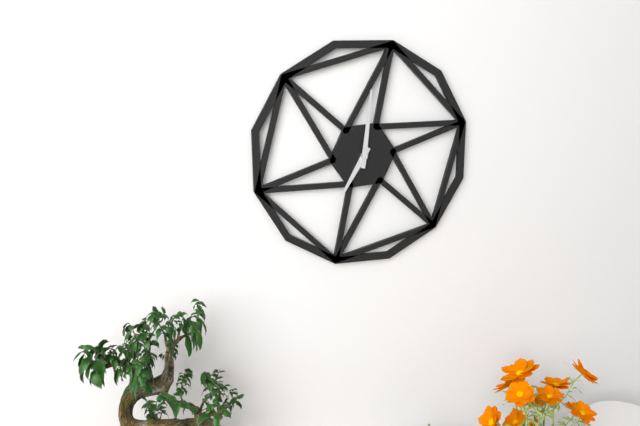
7:01
